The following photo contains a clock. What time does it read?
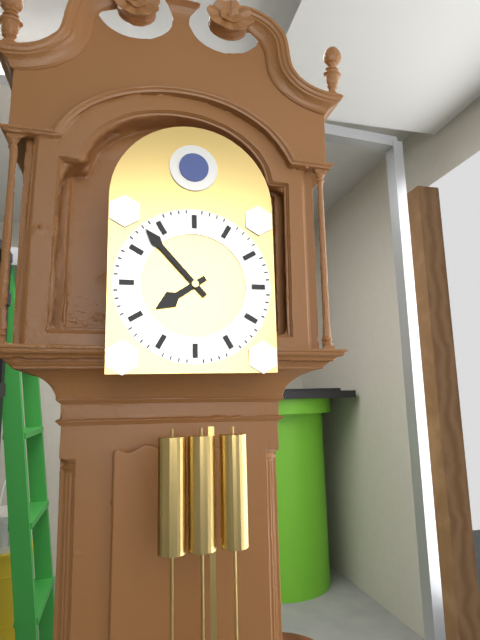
7:53
